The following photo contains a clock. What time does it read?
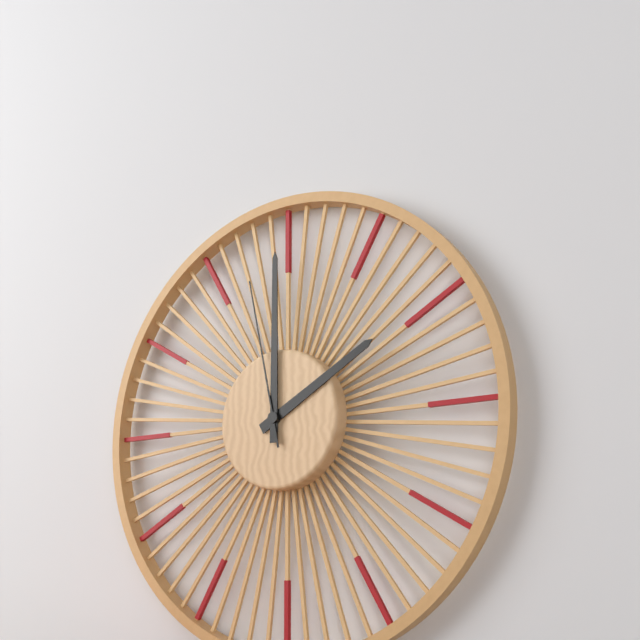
2:00:58
